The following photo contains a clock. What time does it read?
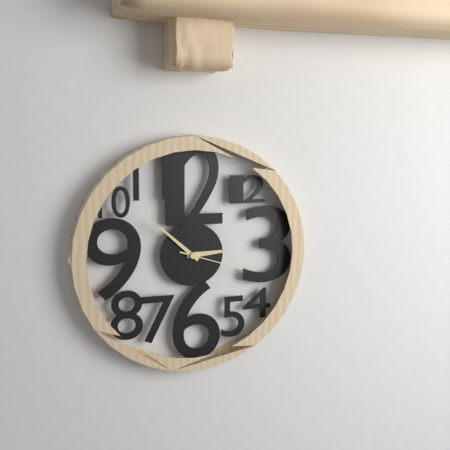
2:52:18
